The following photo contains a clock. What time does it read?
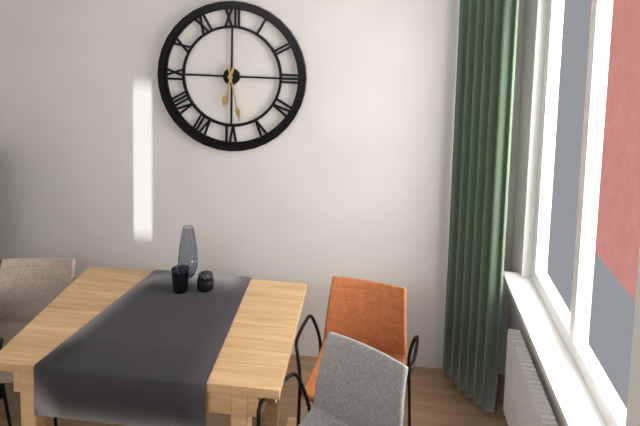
6:28
